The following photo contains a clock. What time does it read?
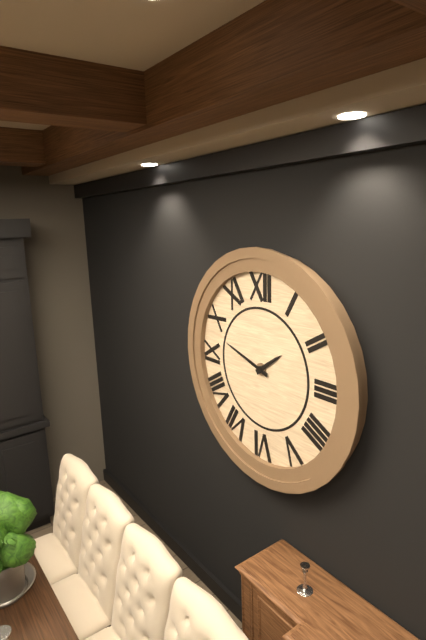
1:48
